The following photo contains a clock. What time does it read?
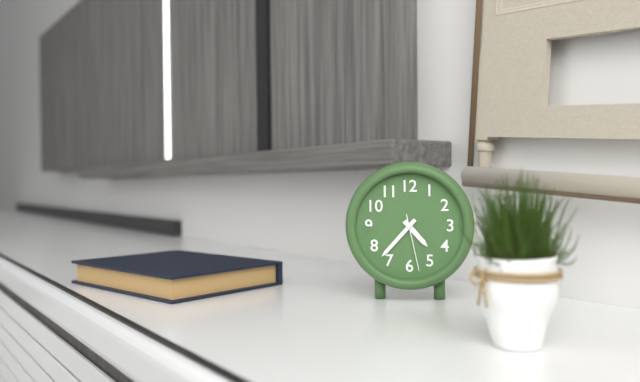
4:37:28
